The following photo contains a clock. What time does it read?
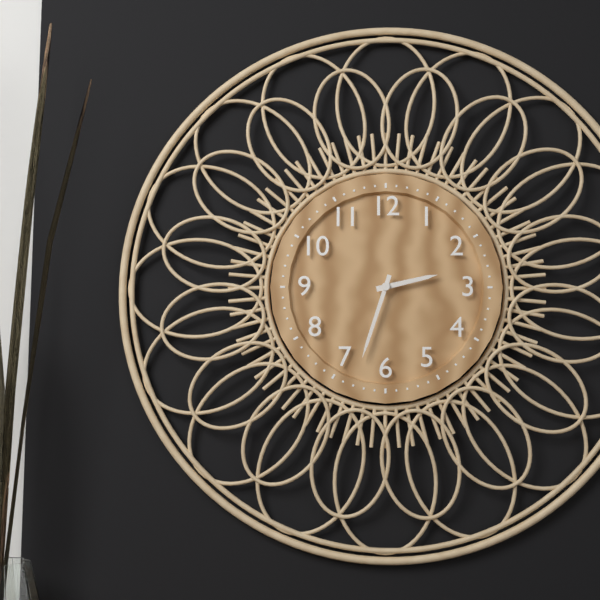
2:33
